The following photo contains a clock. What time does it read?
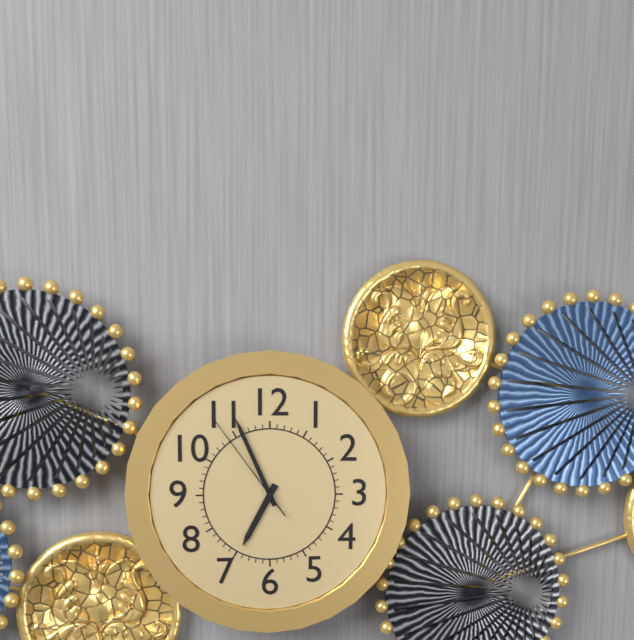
6:56:54
